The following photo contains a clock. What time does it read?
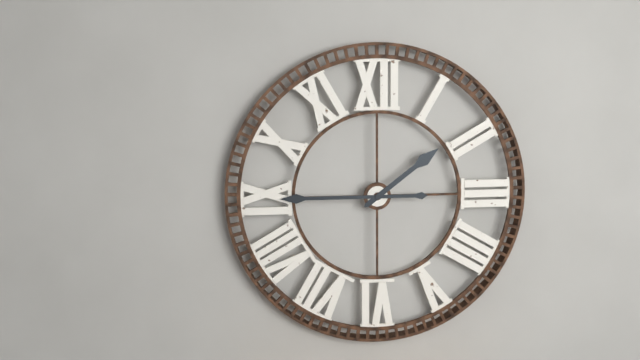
1:45
